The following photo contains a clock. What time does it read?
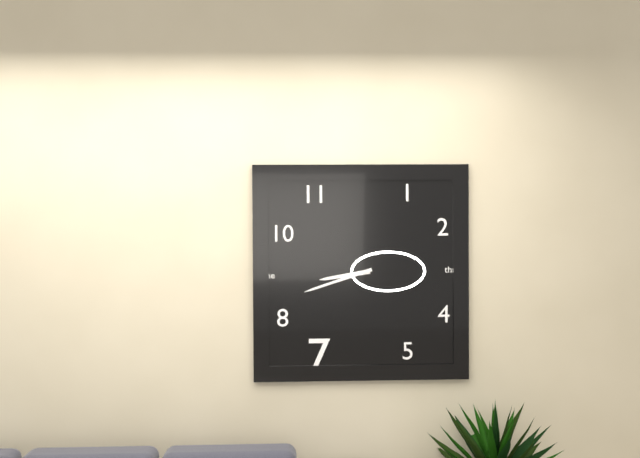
8:42
